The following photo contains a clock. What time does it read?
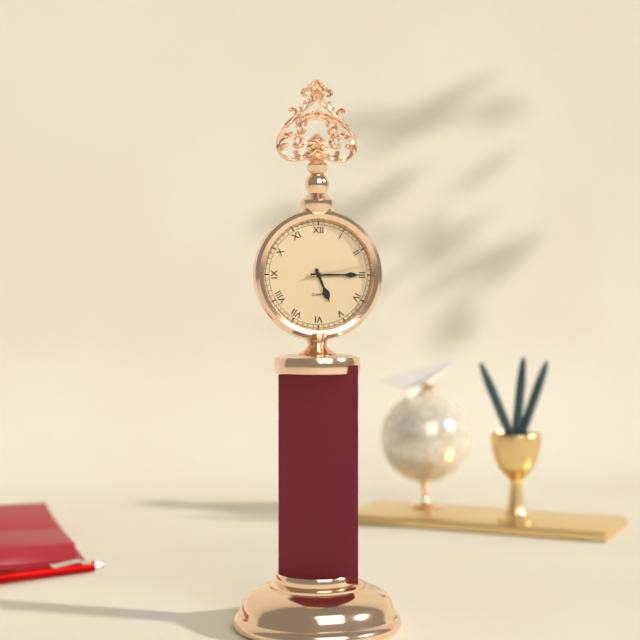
5:15:13
